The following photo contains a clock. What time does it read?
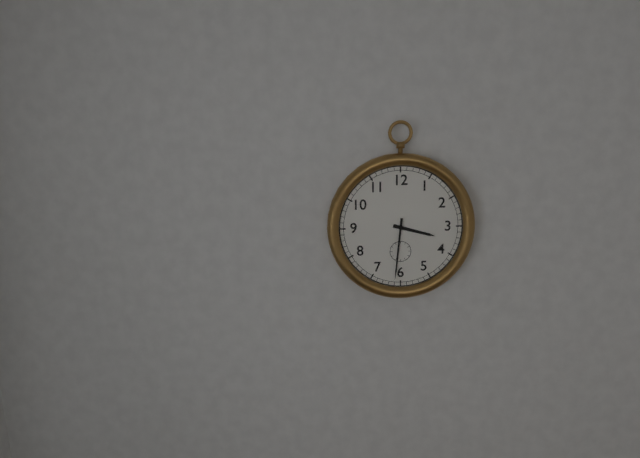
3:31
